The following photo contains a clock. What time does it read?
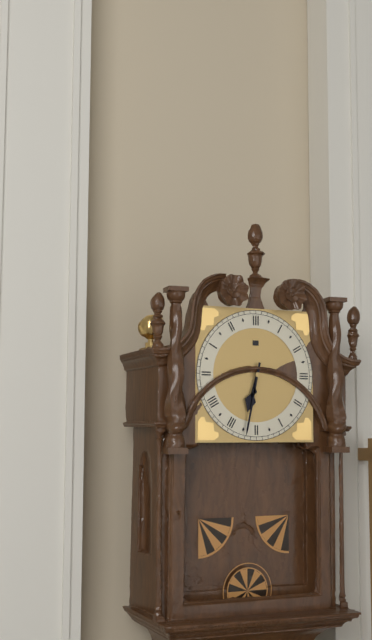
6:32
